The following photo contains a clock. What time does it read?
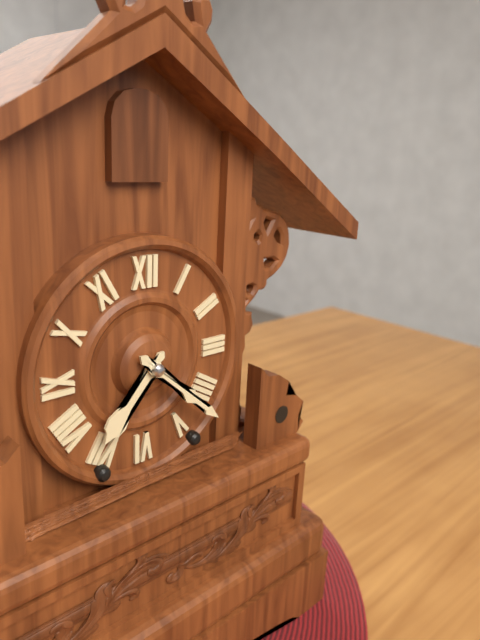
7:22
